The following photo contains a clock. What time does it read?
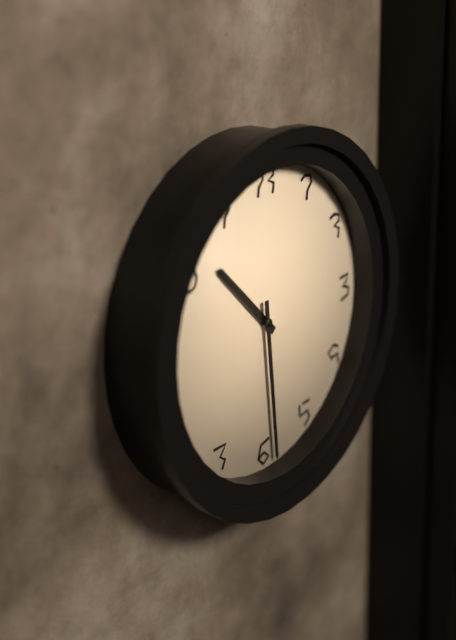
10:29
